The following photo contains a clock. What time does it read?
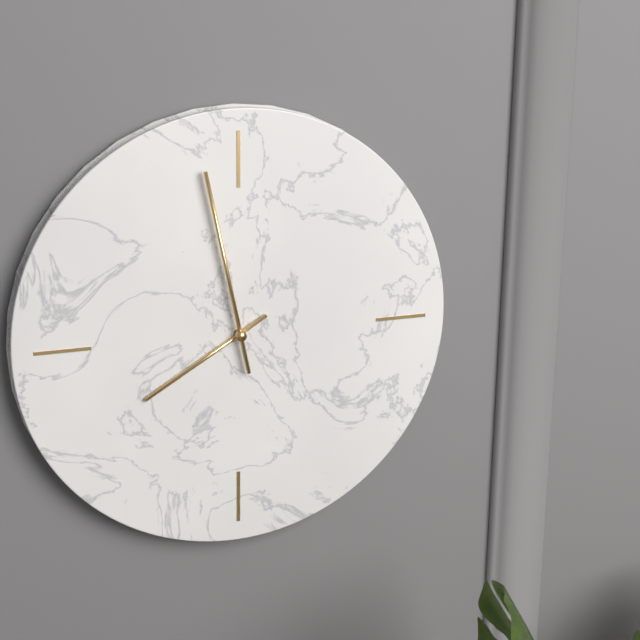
7:58
